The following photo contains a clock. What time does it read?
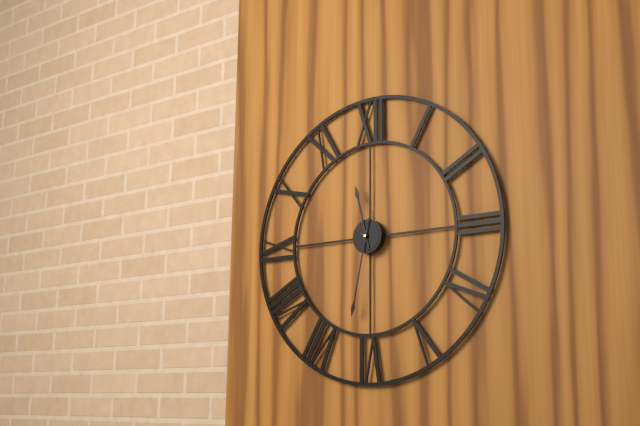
11:32
